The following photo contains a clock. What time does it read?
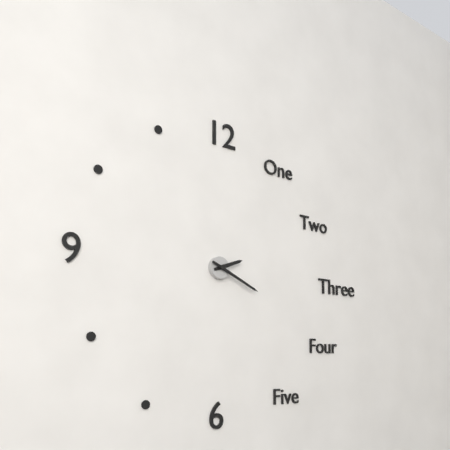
2:19
